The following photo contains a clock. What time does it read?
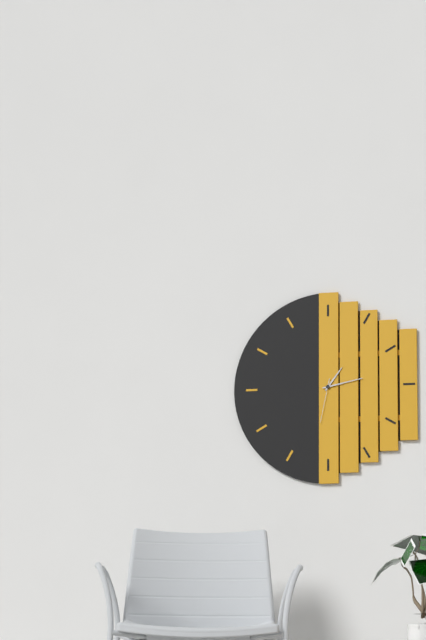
1:13
